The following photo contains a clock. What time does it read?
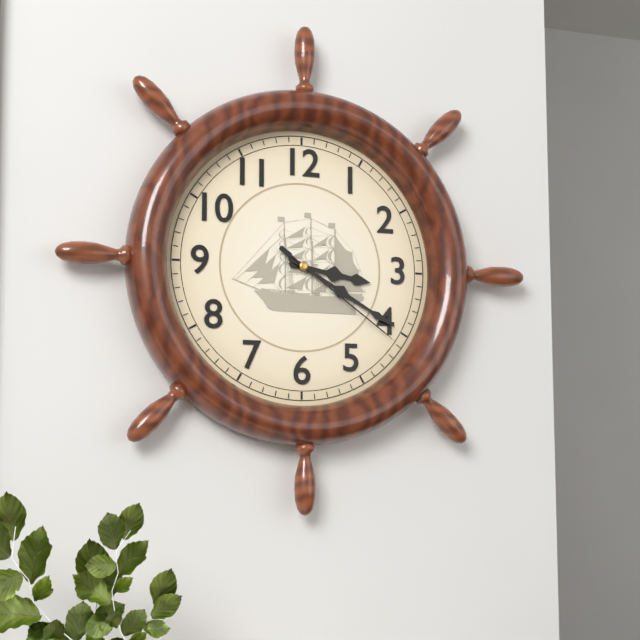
3:20:21
